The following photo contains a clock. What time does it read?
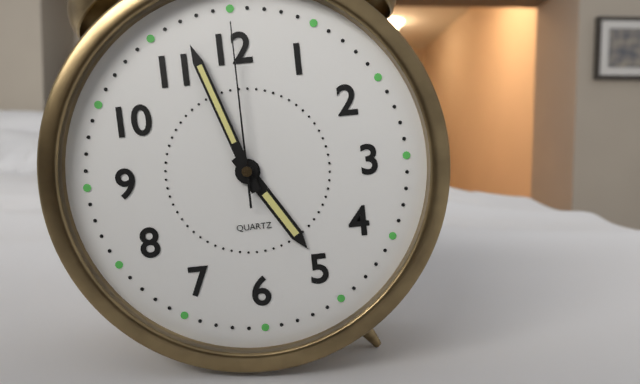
4:57:00
